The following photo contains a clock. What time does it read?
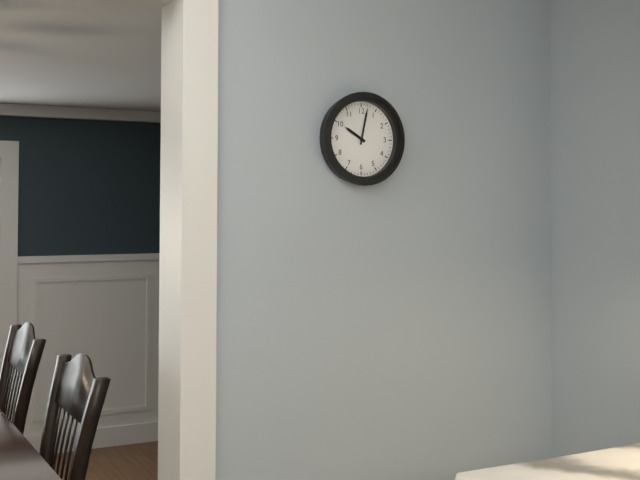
10:02
